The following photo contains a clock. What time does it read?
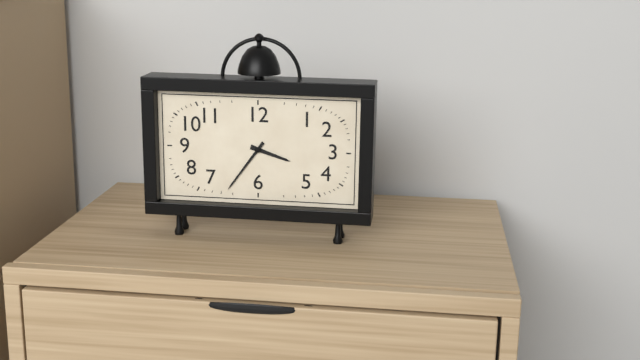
3:36
